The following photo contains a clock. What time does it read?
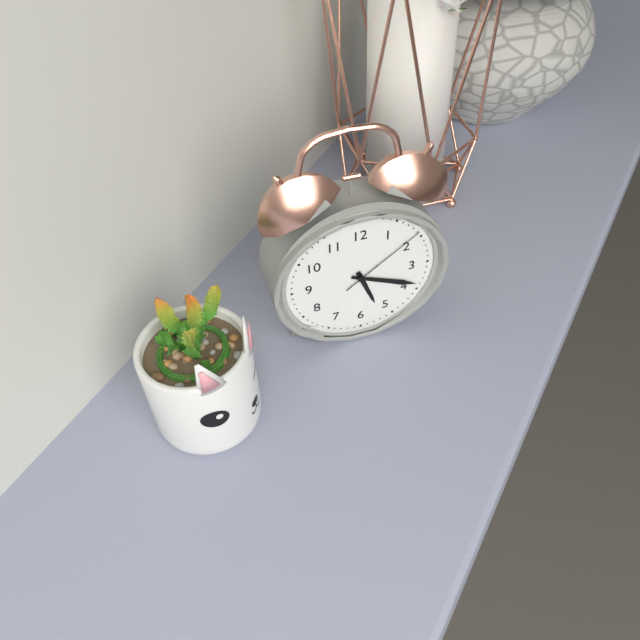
5:19:09
